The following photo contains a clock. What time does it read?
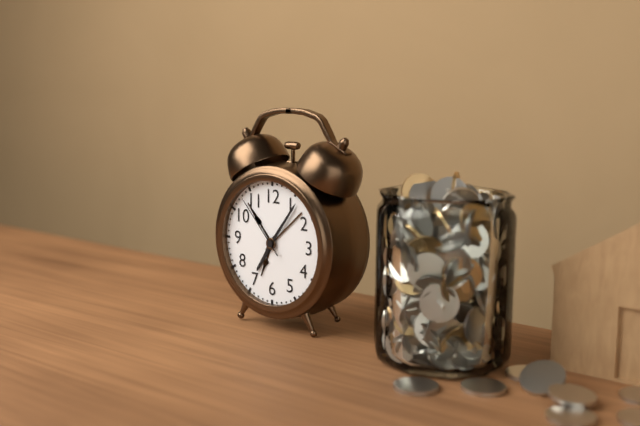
7:06:53
